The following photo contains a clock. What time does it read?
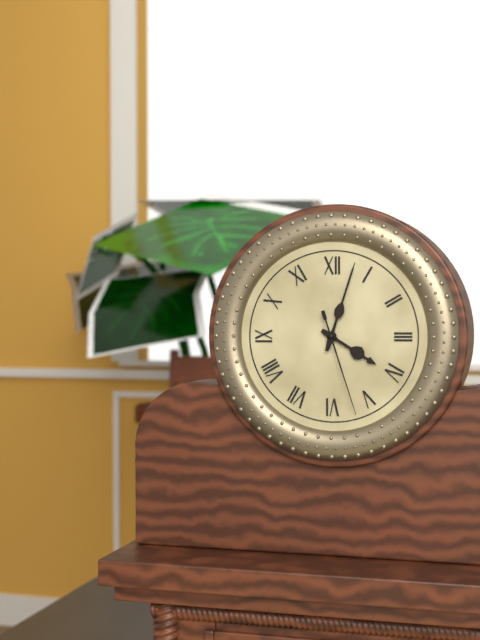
4:03:27
